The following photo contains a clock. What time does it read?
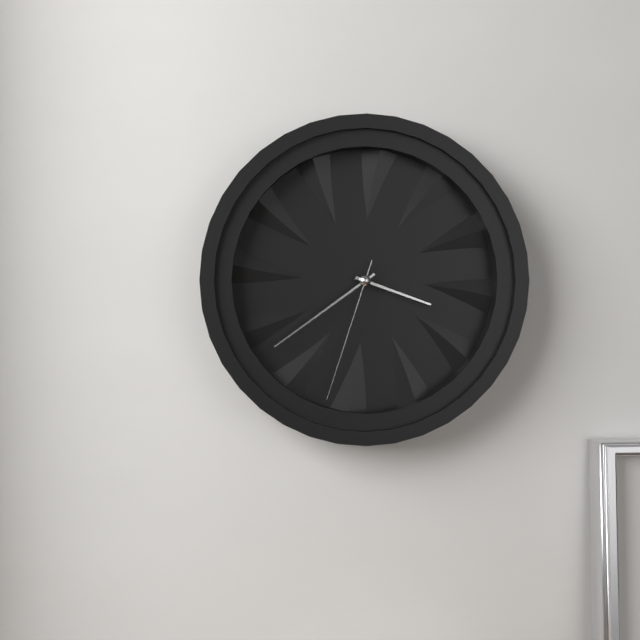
3:39:33
